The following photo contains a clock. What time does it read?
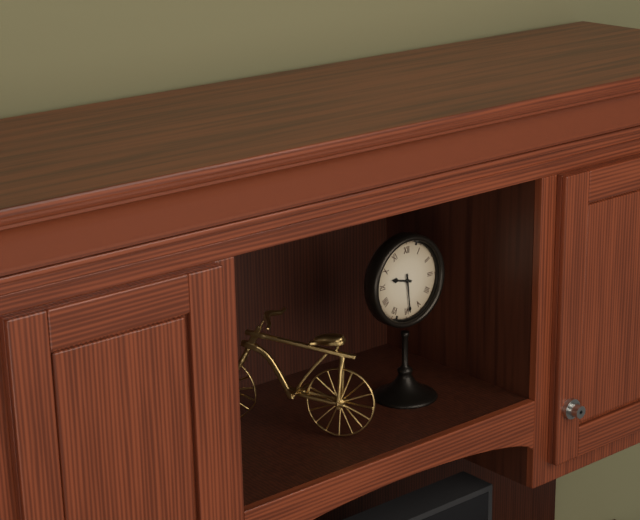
9:29
